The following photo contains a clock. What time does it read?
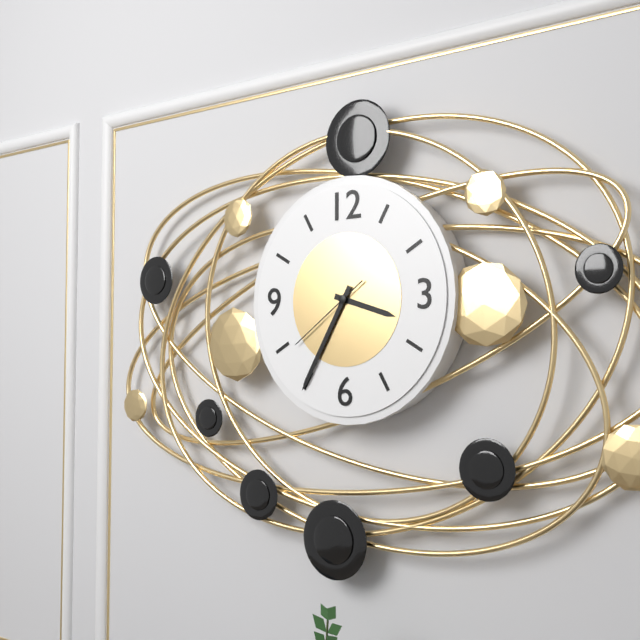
3:35:39
